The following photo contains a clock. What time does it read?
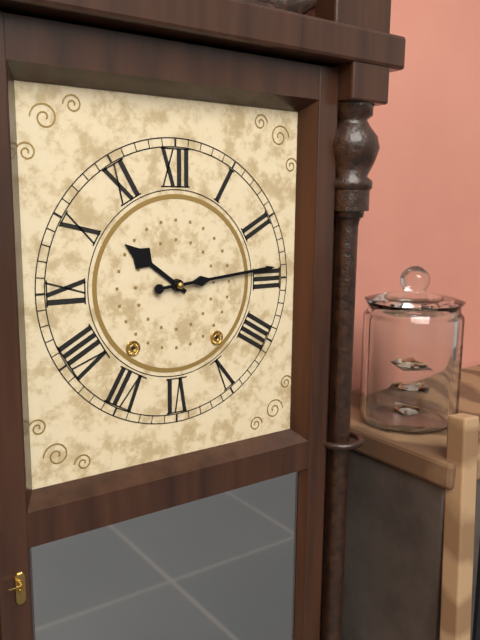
10:14
